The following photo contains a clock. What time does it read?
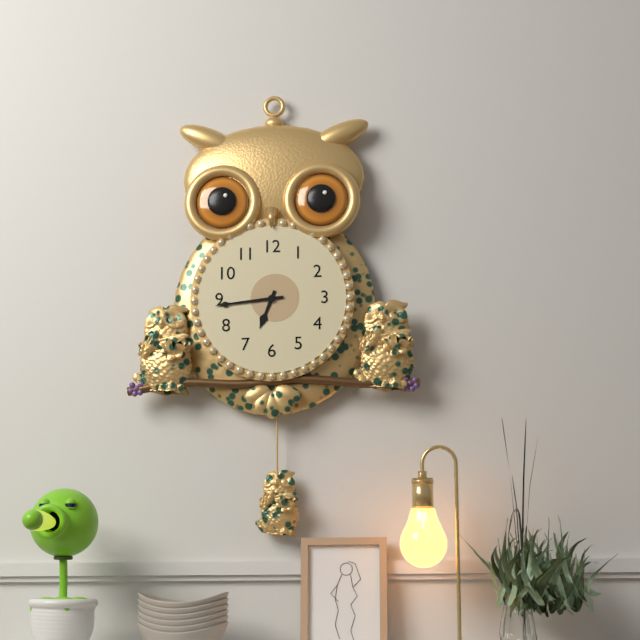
6:44
